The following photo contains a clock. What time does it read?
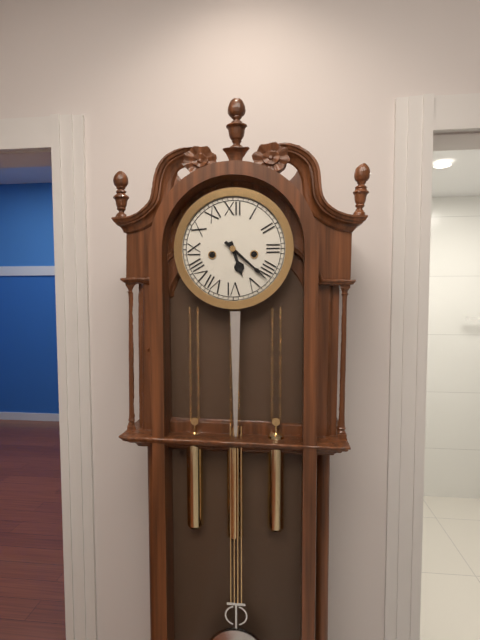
5:22
